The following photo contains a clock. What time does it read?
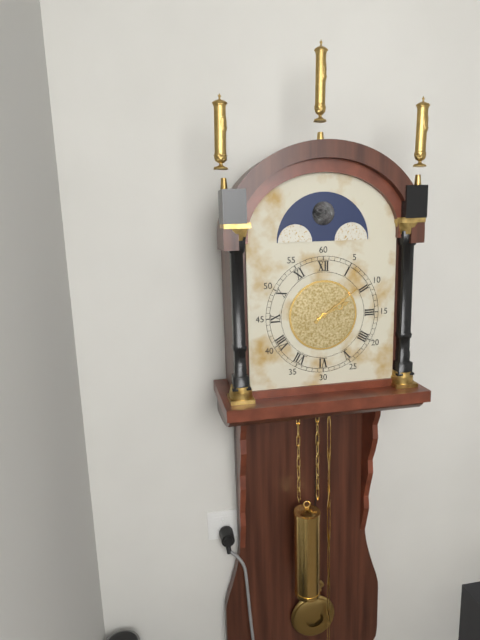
2:09
